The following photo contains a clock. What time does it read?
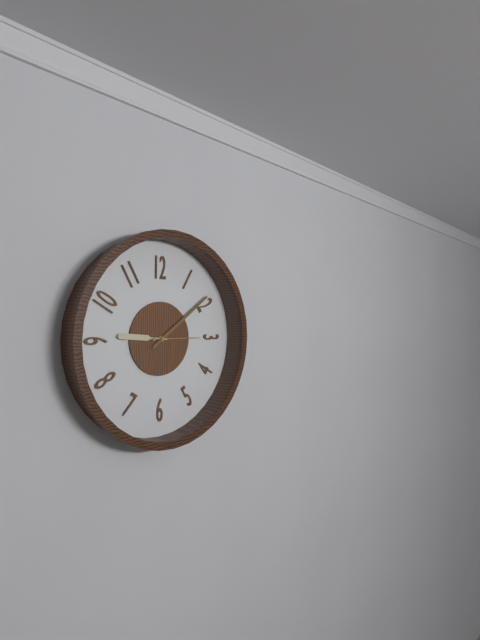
9:09
